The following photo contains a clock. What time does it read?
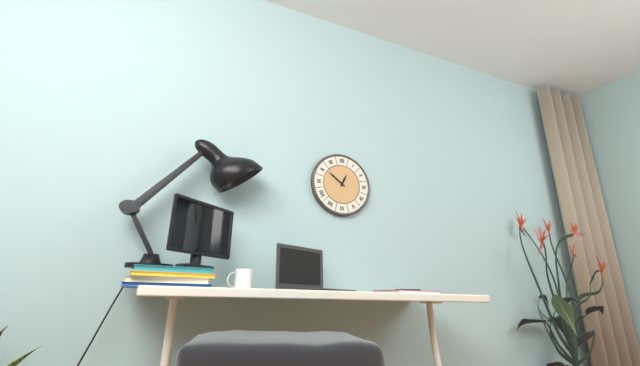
12:51
